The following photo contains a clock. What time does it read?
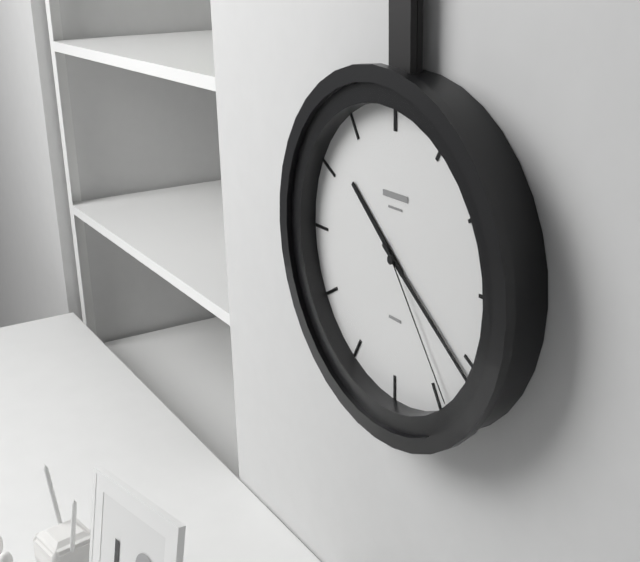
10:21:24
